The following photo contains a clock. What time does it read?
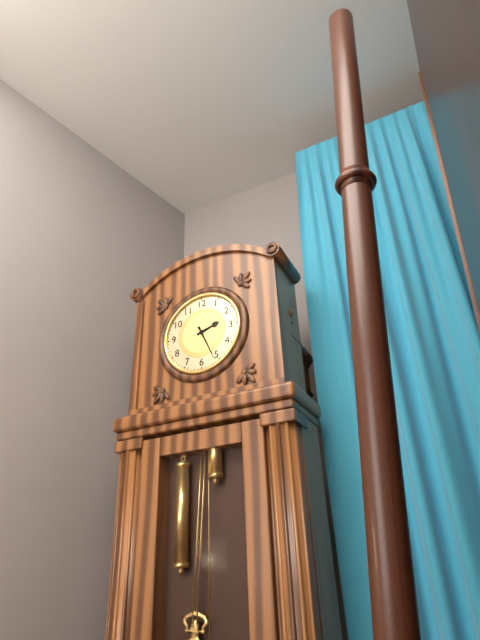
2:26
